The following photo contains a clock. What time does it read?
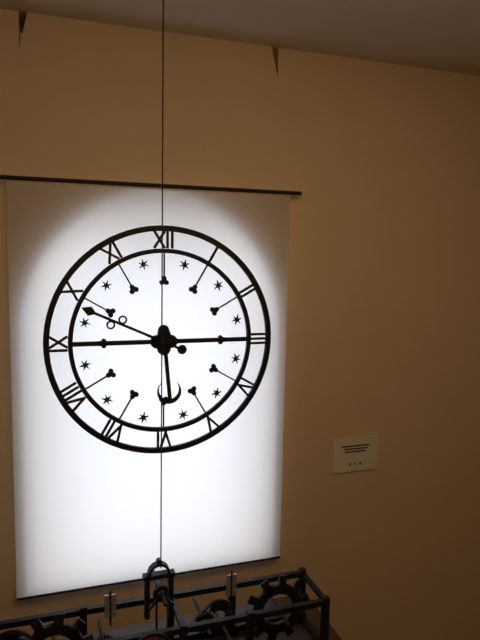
5:49
